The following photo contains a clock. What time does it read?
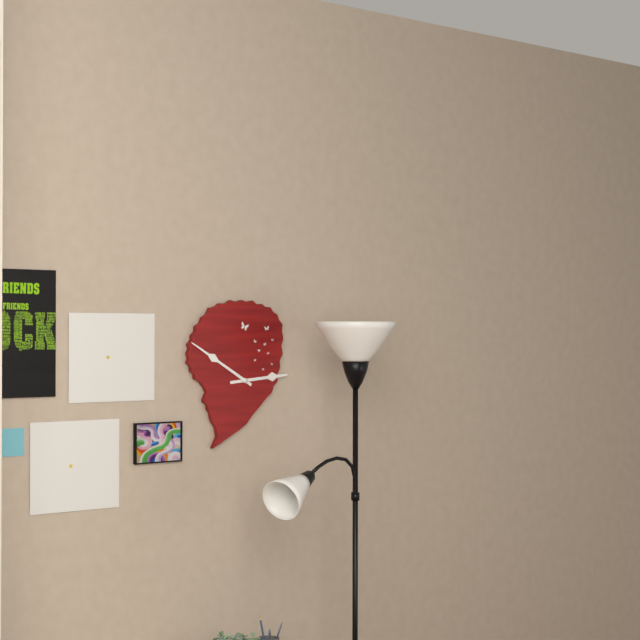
2:50
